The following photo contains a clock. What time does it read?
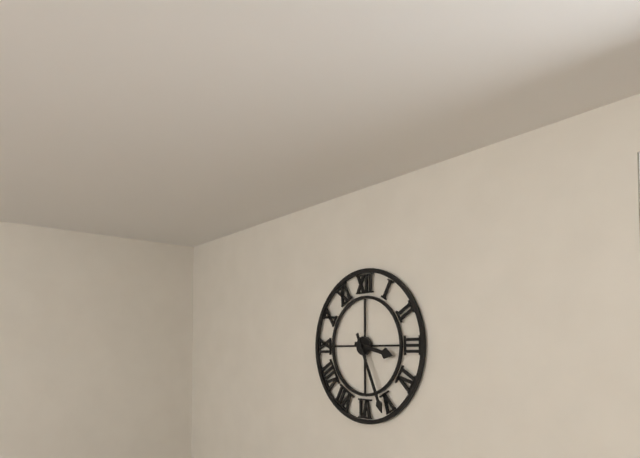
3:26
